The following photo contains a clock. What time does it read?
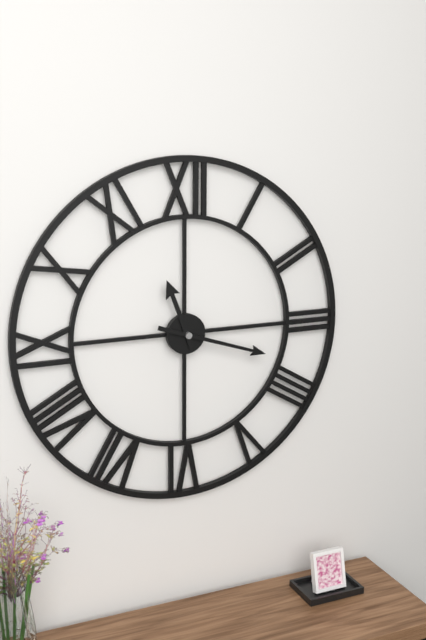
11:18
